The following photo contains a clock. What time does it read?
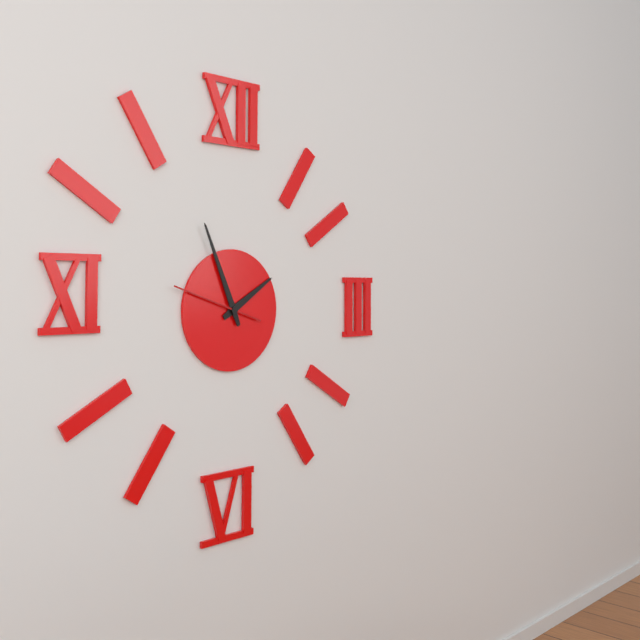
1:56:48
